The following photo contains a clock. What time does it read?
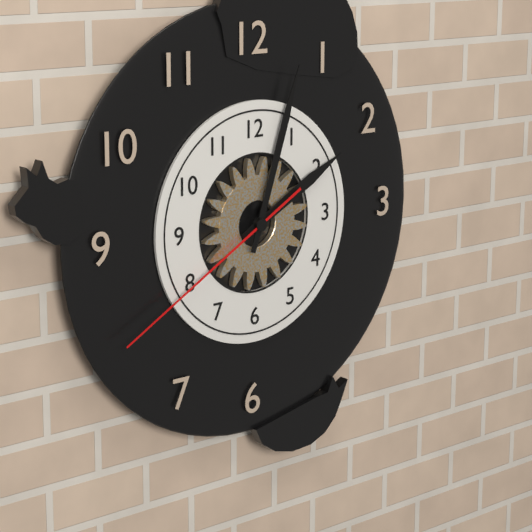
2:03:40
